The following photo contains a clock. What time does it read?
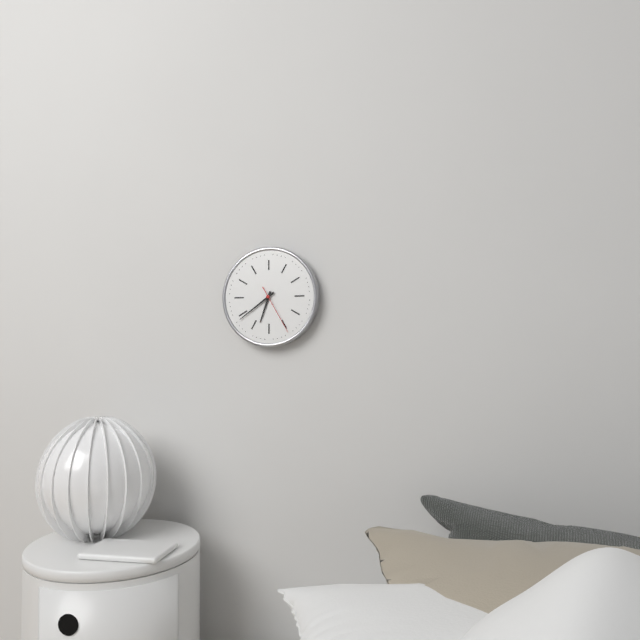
6:39:25
